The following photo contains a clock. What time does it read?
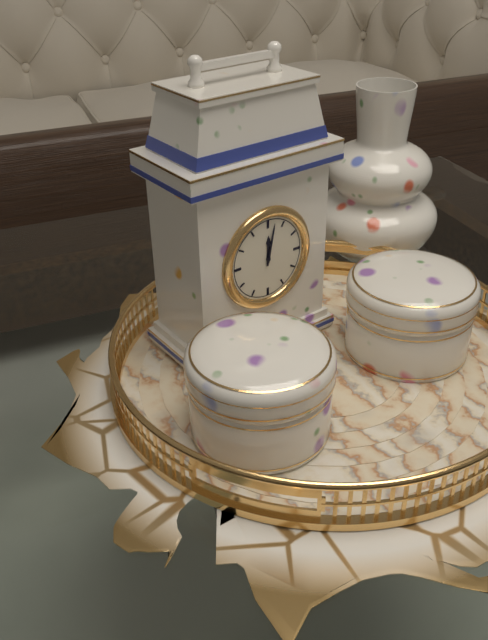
12:02
